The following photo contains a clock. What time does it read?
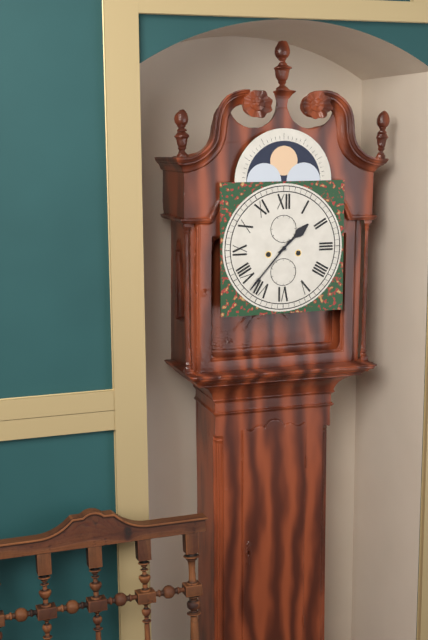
1:37
